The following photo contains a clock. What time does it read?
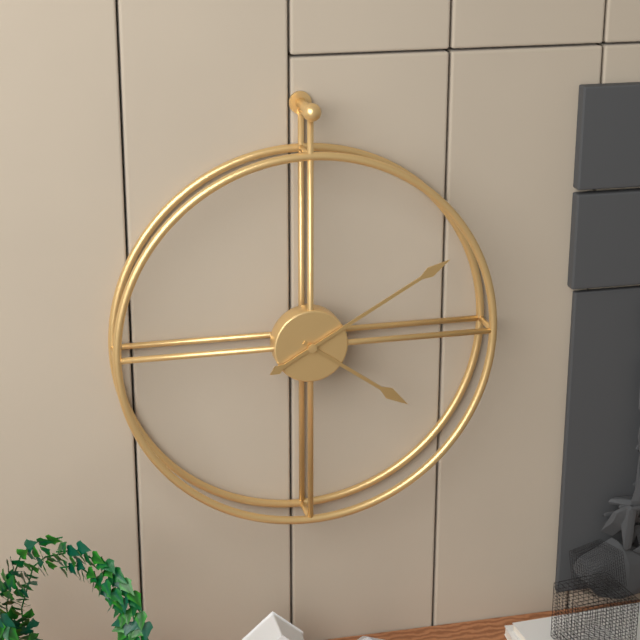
4:10
